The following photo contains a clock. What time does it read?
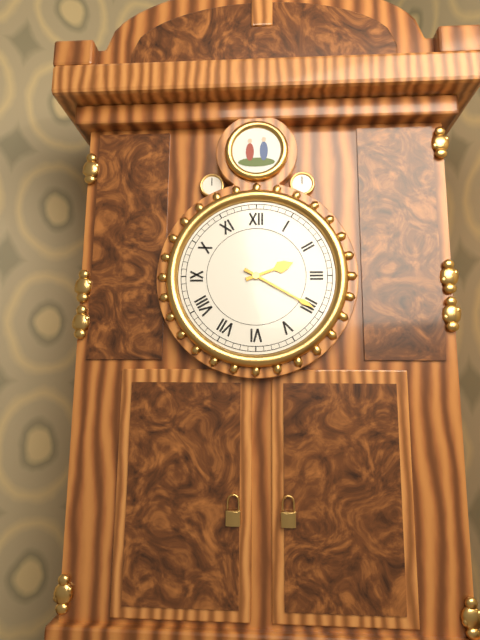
2:20
